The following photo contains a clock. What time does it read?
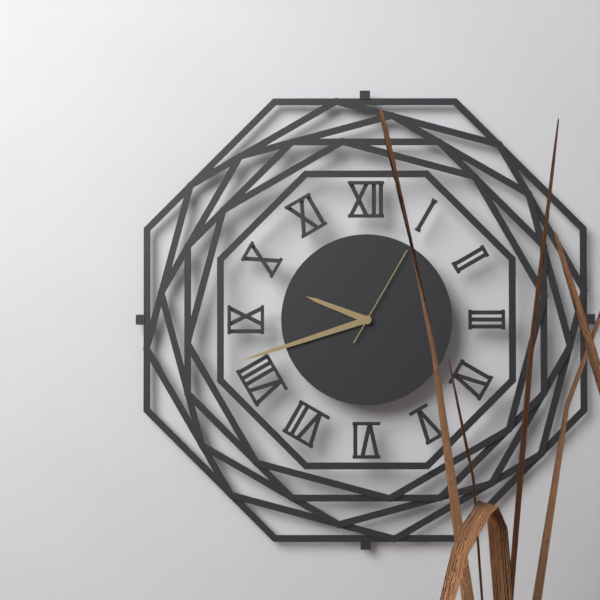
9:42:05
